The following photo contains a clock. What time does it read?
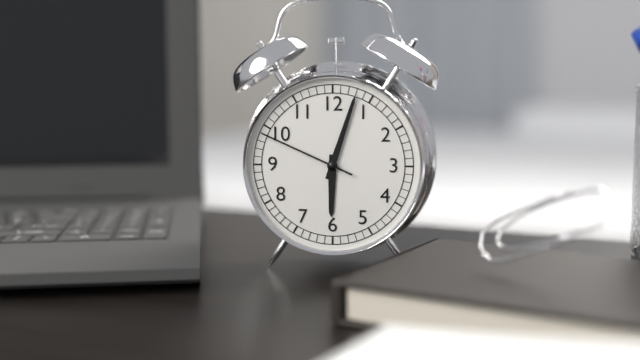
6:03:49
